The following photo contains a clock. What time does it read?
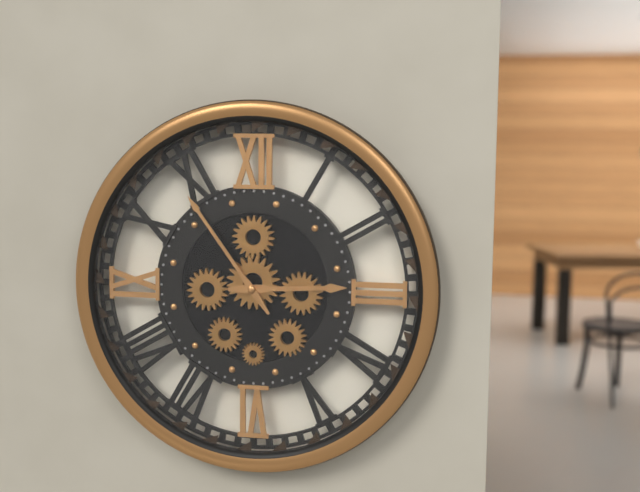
2:54
